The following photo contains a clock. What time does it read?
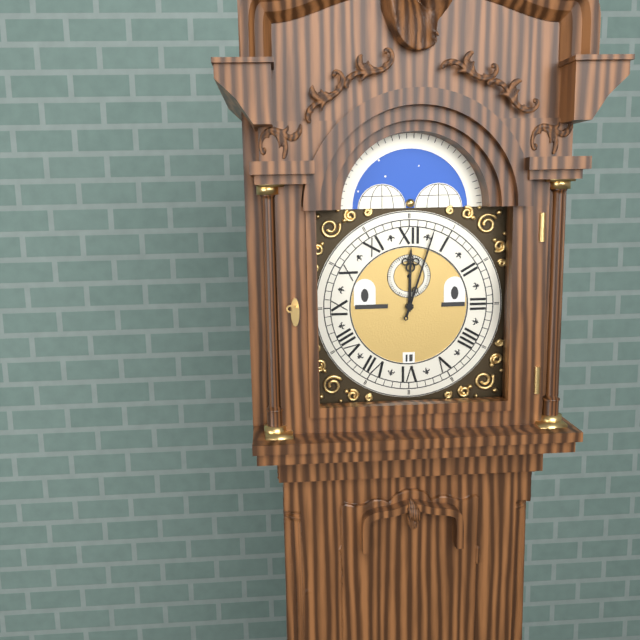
12:03
